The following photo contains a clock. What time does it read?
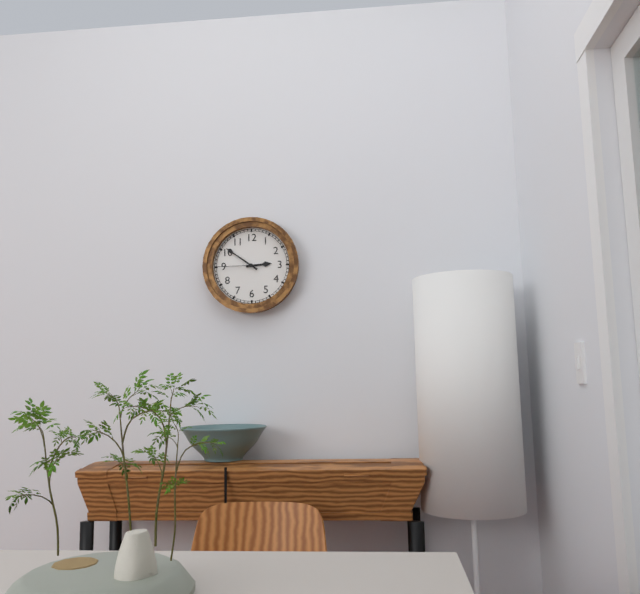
2:51
